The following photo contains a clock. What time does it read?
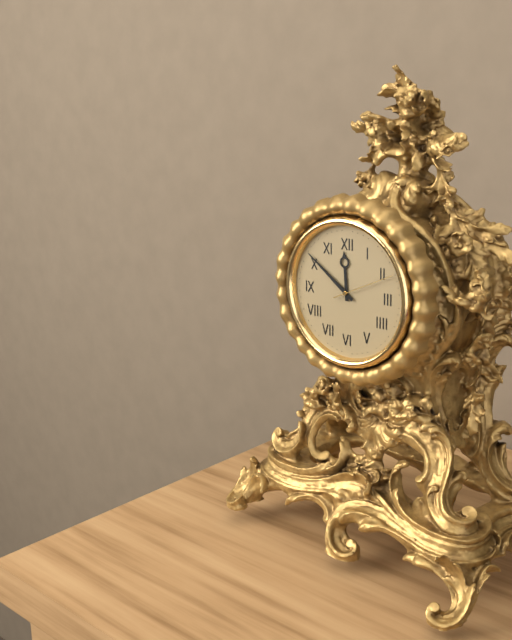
11:51:11
